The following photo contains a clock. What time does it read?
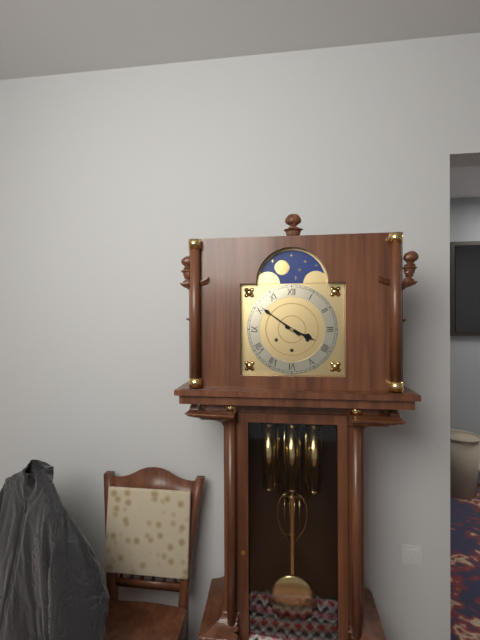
3:51
